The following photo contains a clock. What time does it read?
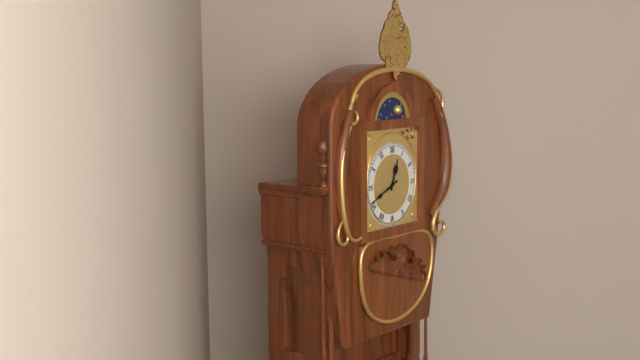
12:41
